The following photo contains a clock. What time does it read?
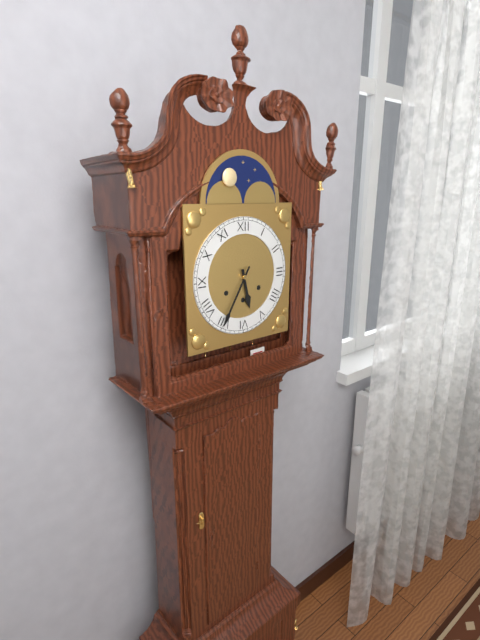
5:35
